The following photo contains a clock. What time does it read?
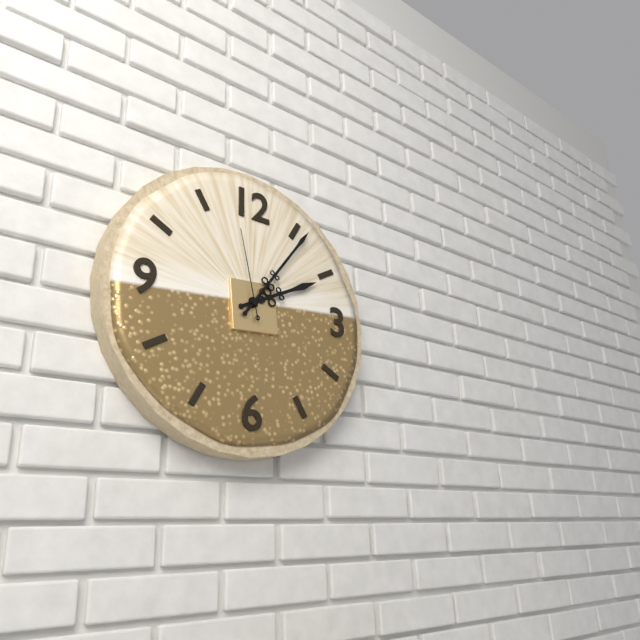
2:06:58
